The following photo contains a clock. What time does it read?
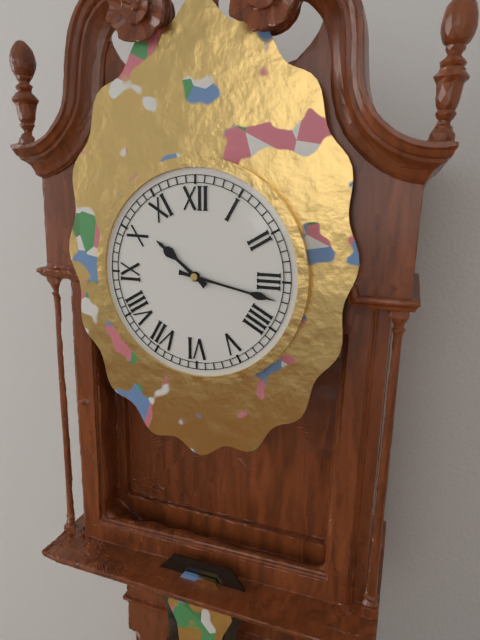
10:17
